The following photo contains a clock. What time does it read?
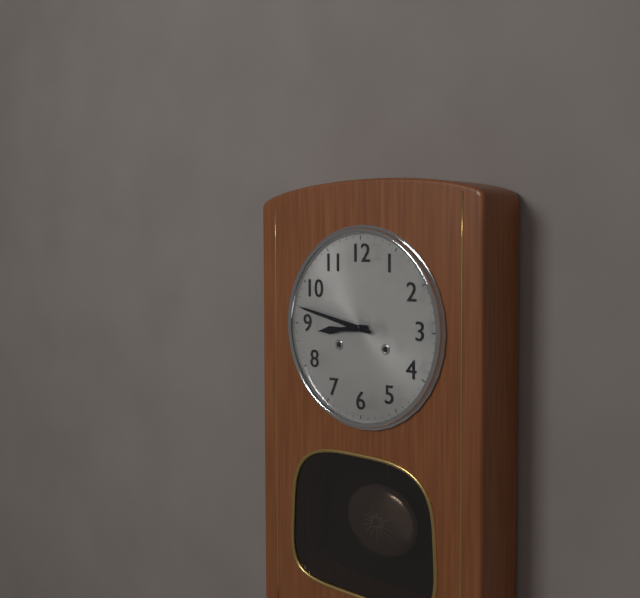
8:47
